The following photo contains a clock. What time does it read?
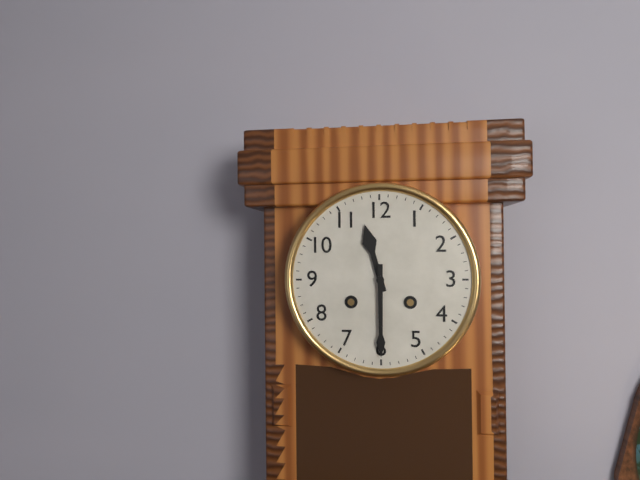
11:30
